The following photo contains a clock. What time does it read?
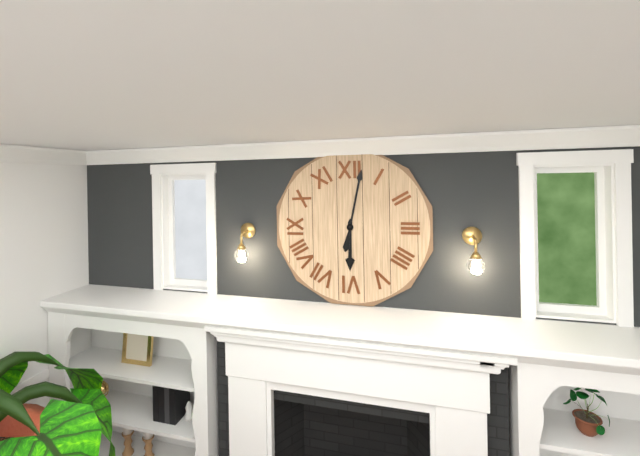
6:02
